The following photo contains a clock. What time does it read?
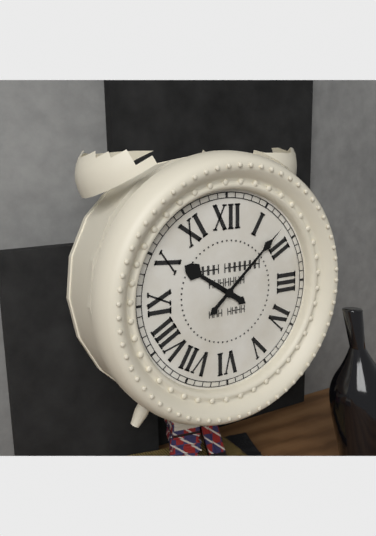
10:08
